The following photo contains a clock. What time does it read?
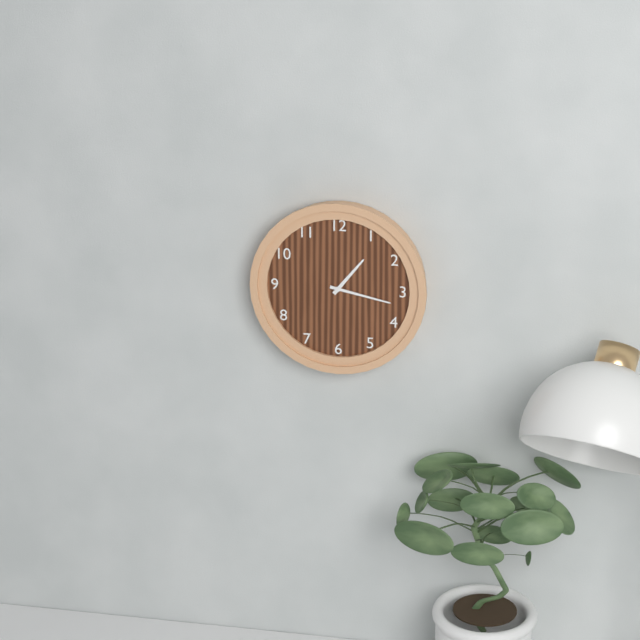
1:17
